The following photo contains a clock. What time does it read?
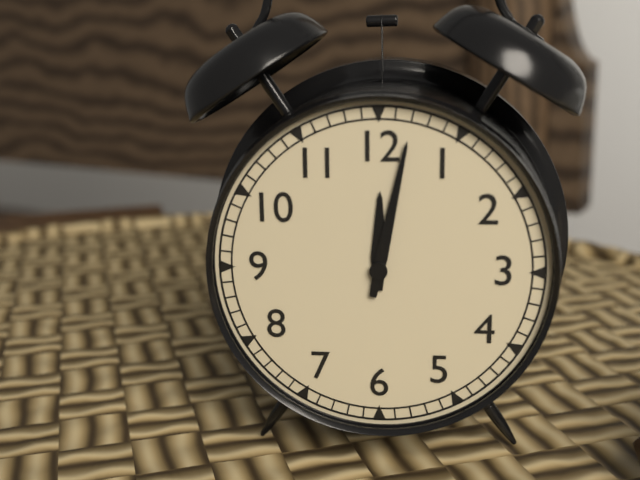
12:02
